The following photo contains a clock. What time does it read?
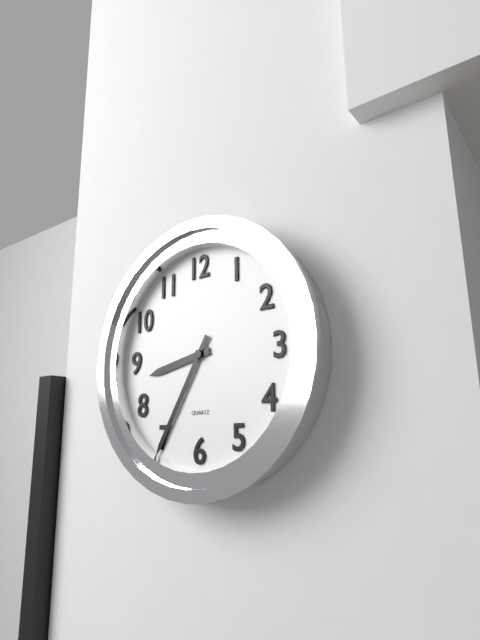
8:35
